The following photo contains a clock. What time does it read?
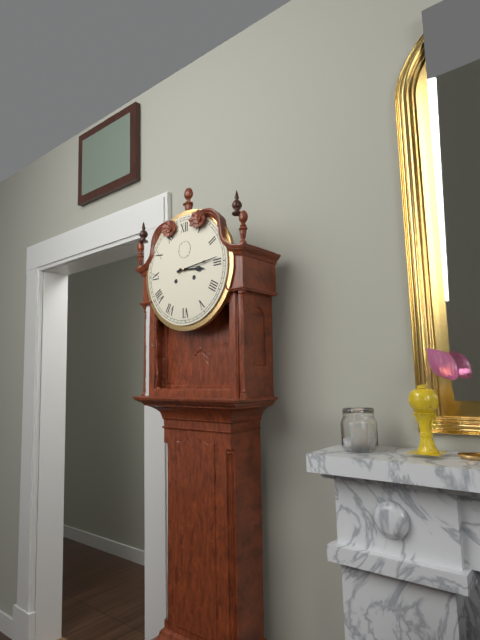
3:14
